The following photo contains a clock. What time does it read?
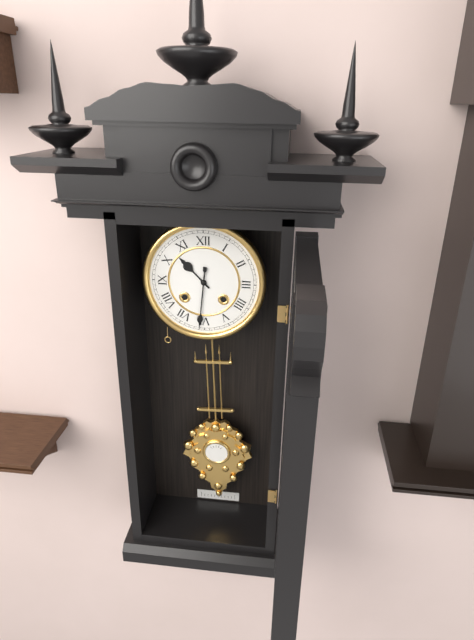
10:31
